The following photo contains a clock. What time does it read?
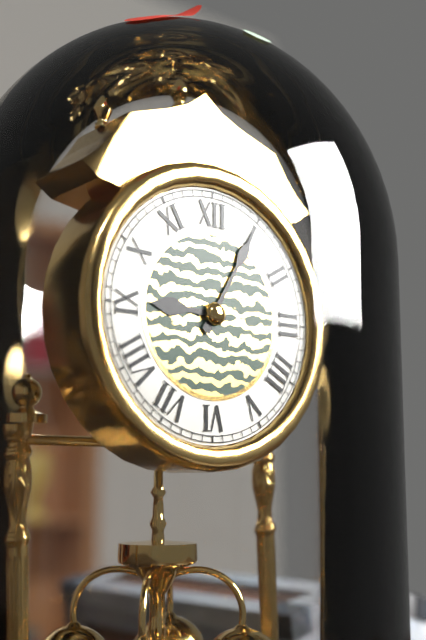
9:05
